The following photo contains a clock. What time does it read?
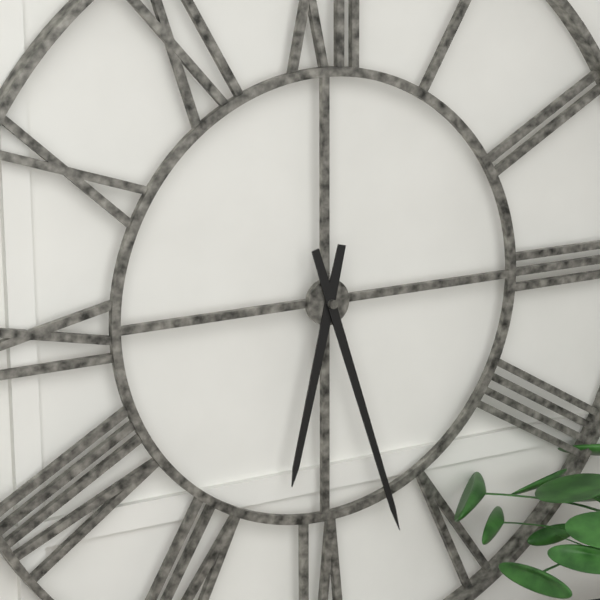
6:27
